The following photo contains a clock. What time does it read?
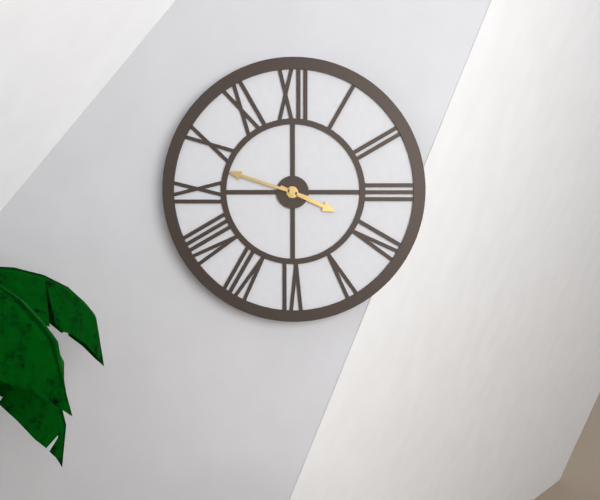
3:48
